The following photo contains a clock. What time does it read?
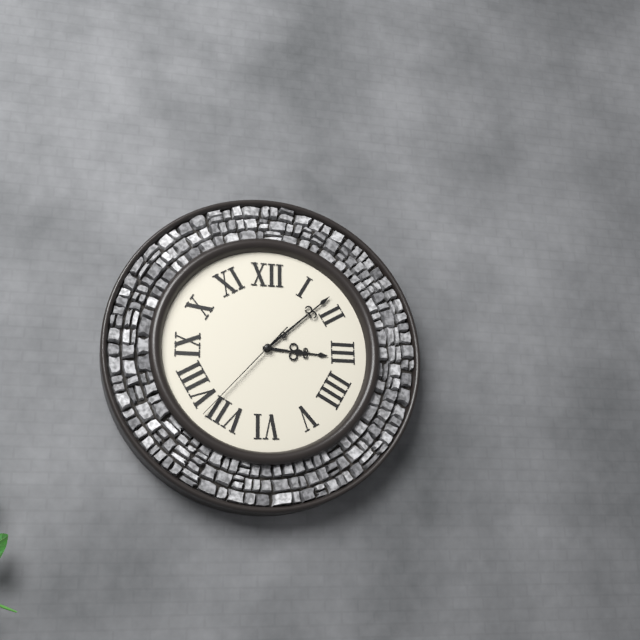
3:08:37
